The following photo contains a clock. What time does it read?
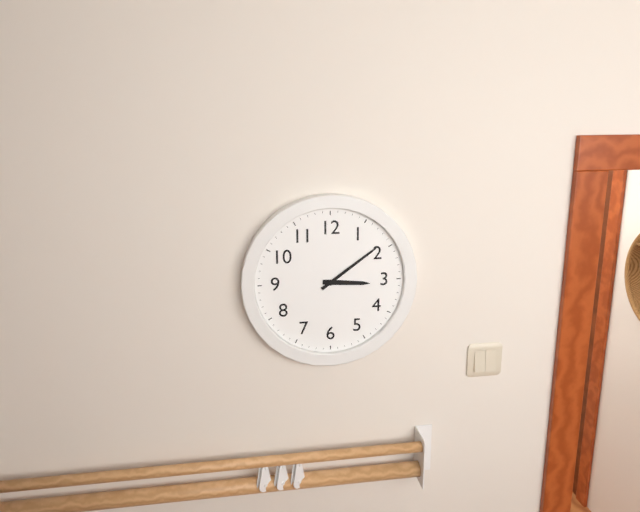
3:09
